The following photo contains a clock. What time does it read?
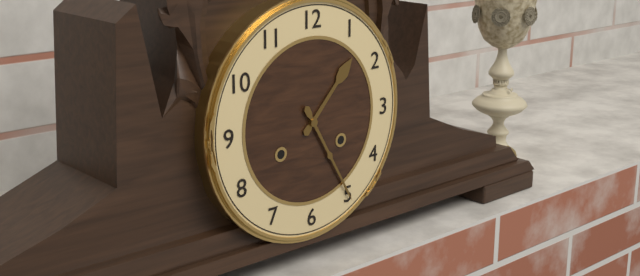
1:25
